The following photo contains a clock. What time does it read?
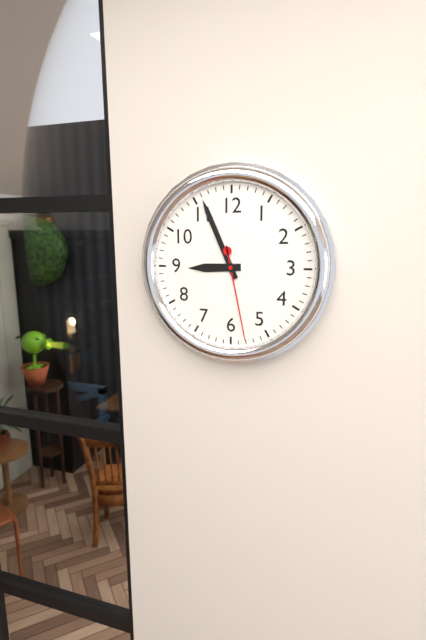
8:56:28
